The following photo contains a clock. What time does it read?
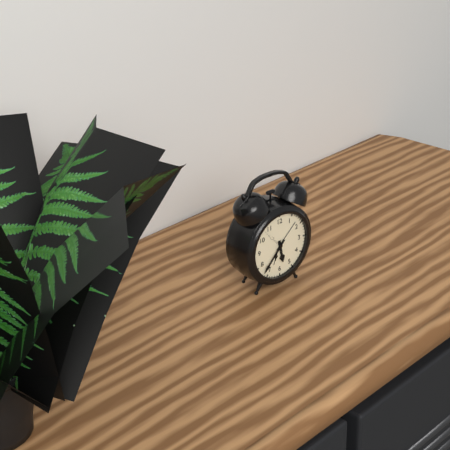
5:37
